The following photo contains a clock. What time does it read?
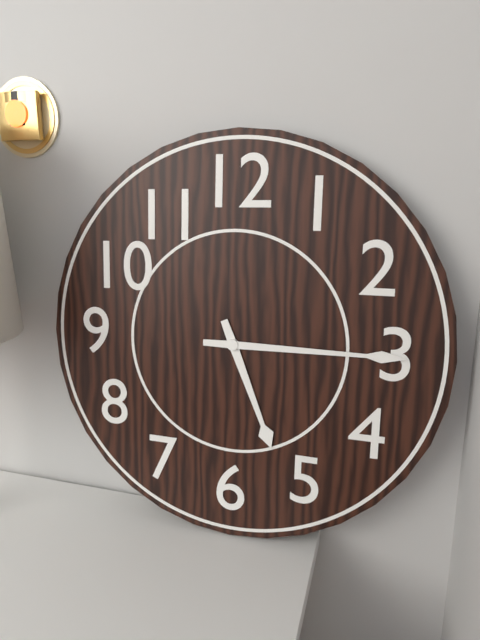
5:15
